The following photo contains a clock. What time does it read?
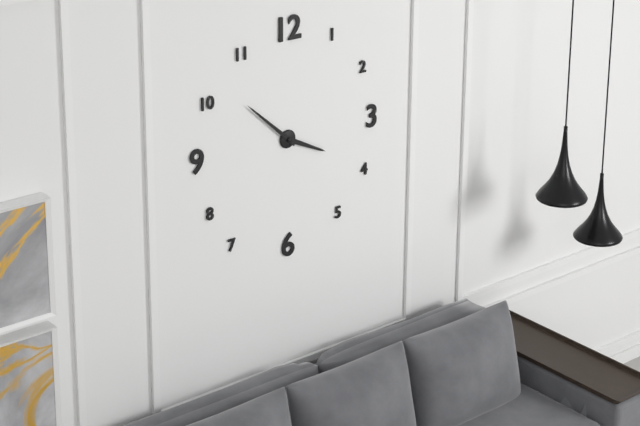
3:52
